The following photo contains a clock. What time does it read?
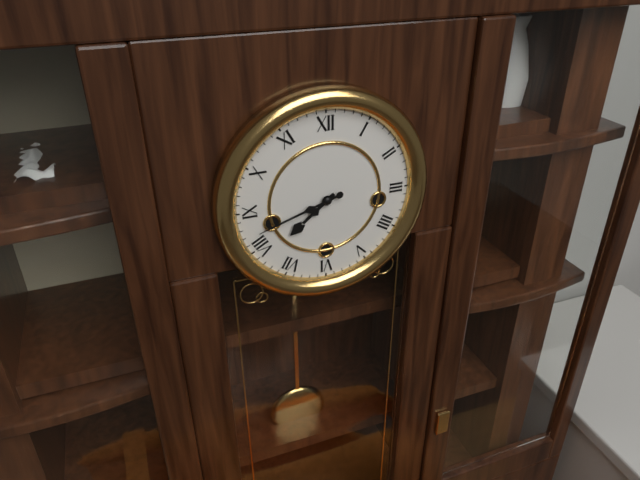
7:42
